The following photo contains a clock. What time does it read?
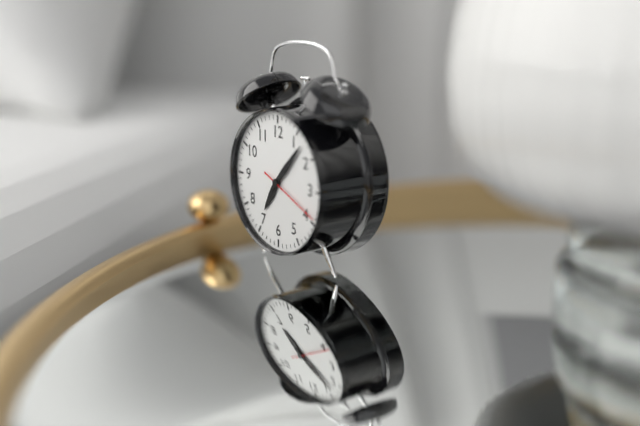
7:07:19
